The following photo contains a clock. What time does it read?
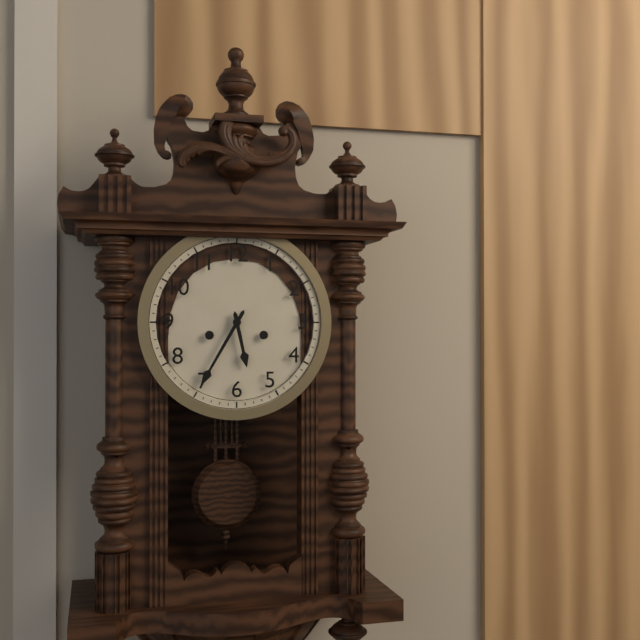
5:35
